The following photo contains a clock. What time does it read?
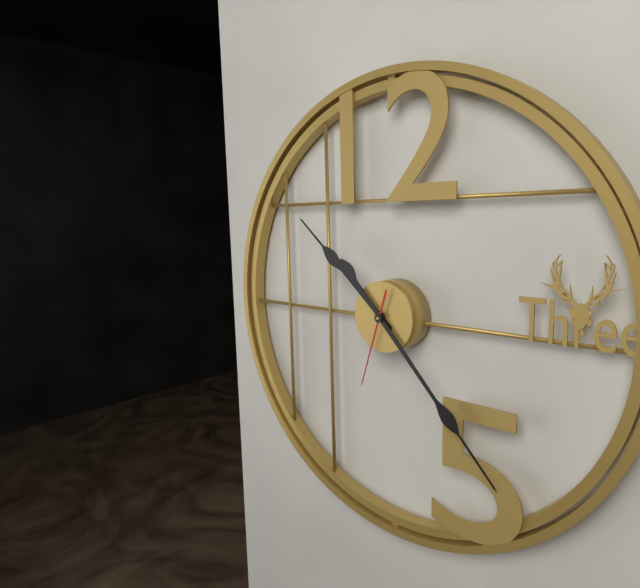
10:23:33
